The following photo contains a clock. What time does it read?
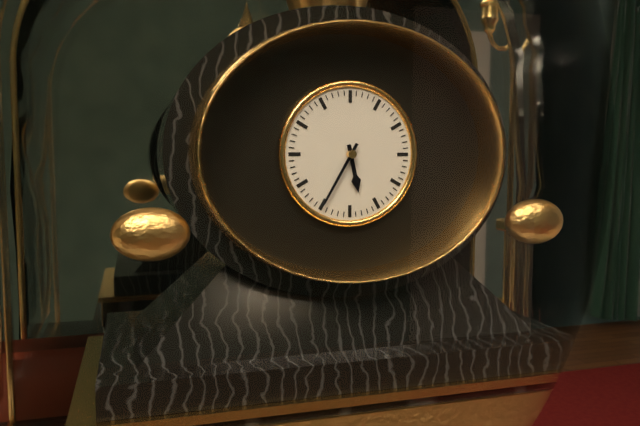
5:35
